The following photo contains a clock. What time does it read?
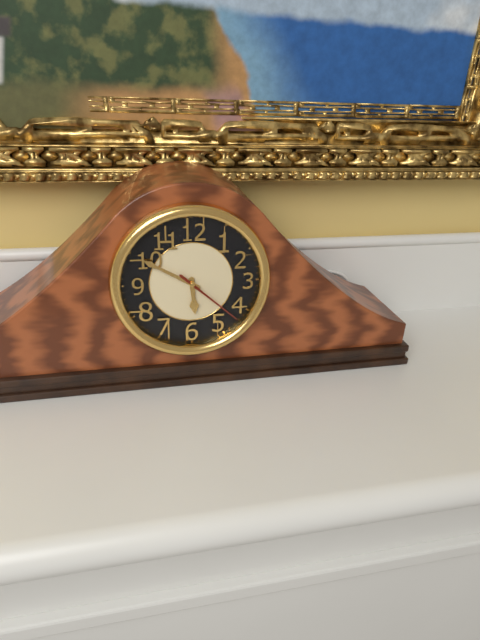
5:50:22
